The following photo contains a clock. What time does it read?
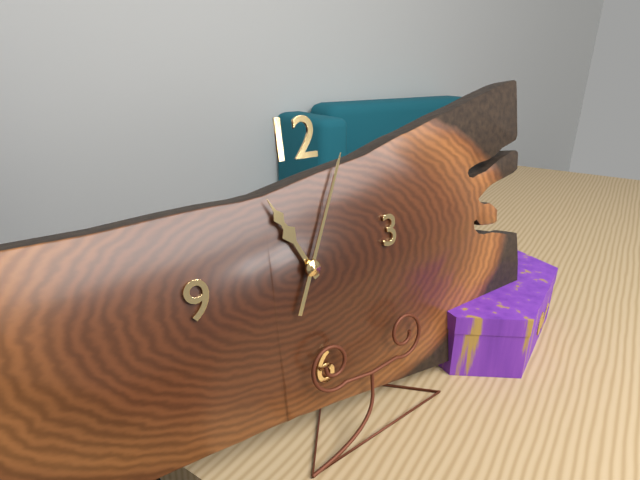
11:04
